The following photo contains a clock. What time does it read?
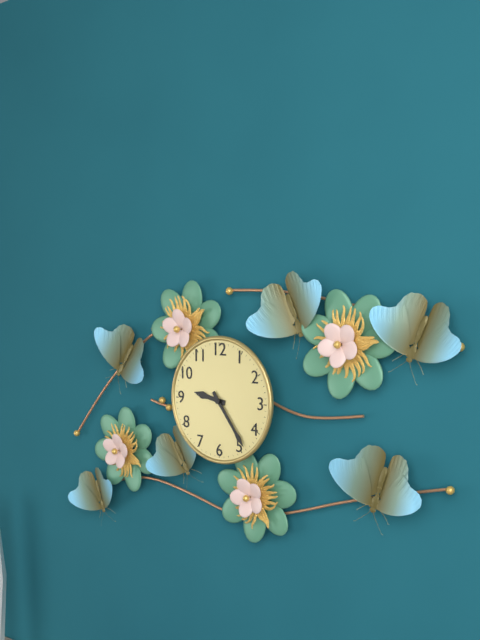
9:24
